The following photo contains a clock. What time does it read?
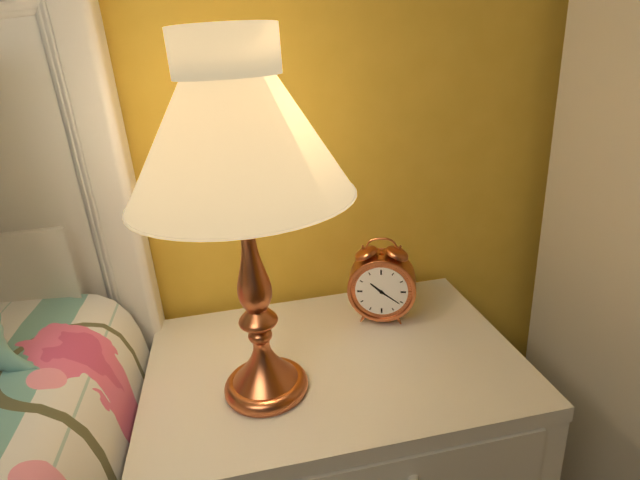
10:21
